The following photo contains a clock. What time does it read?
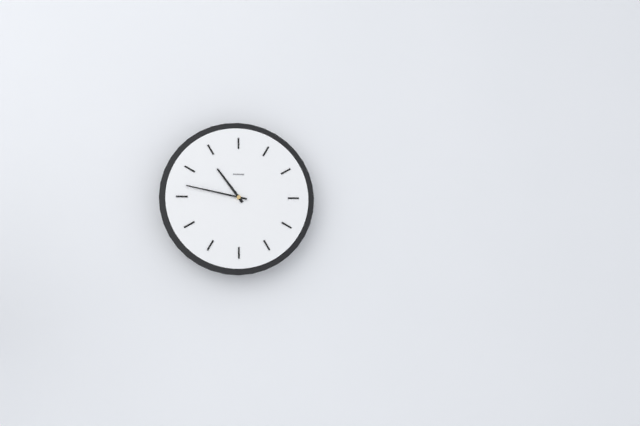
10:47
